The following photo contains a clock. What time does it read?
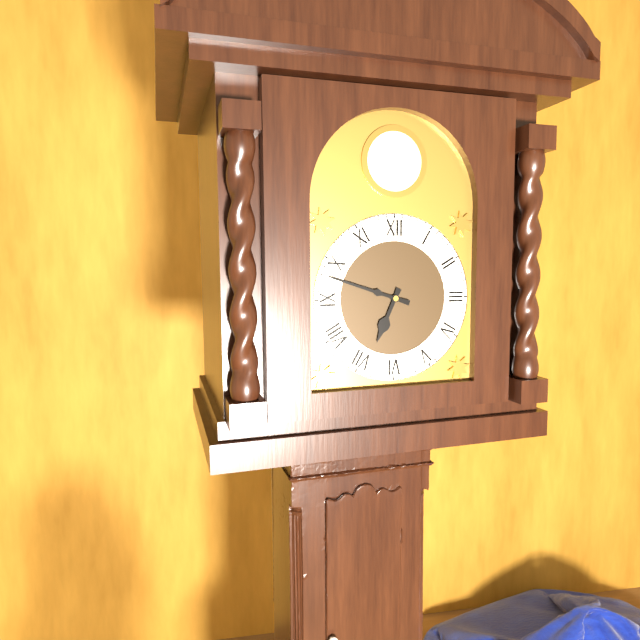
6:48
